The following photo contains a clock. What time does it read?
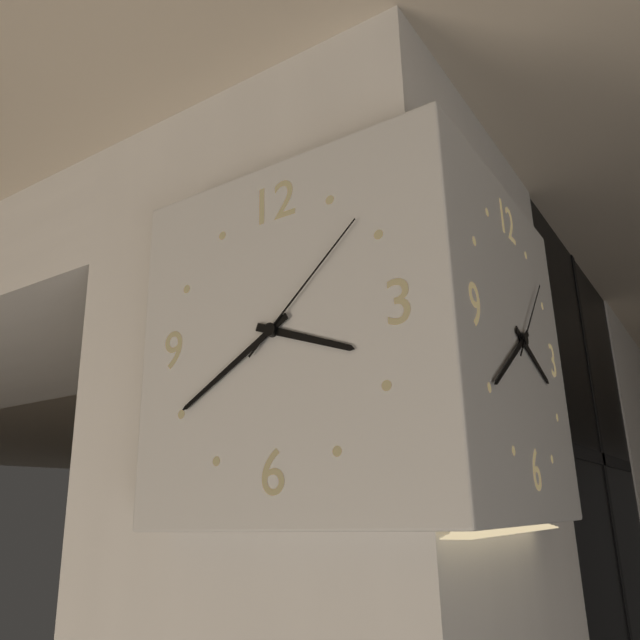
3:40:08
